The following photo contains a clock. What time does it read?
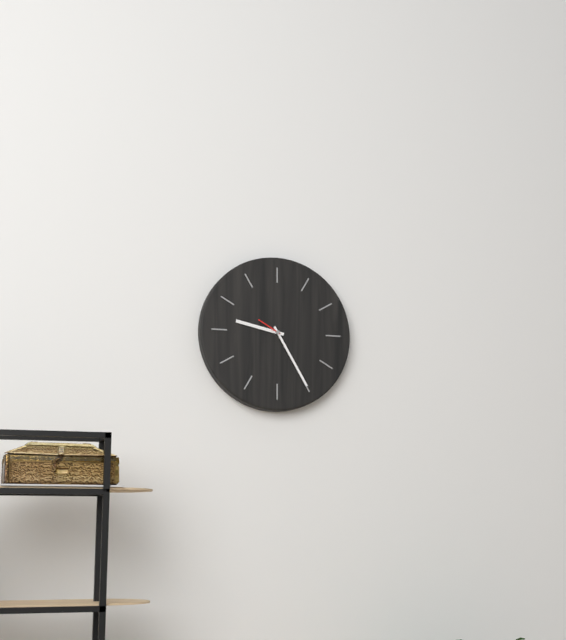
9:25
